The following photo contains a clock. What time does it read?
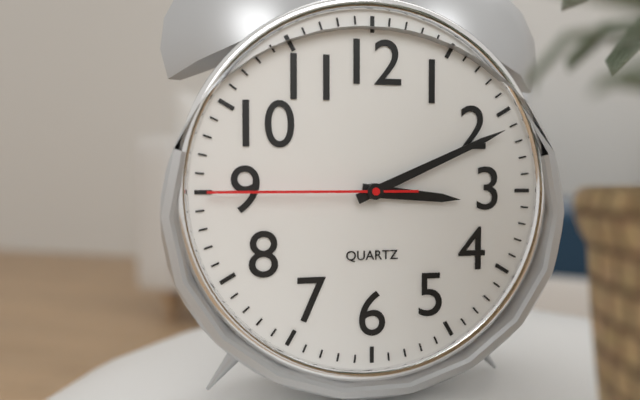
3:11:45
